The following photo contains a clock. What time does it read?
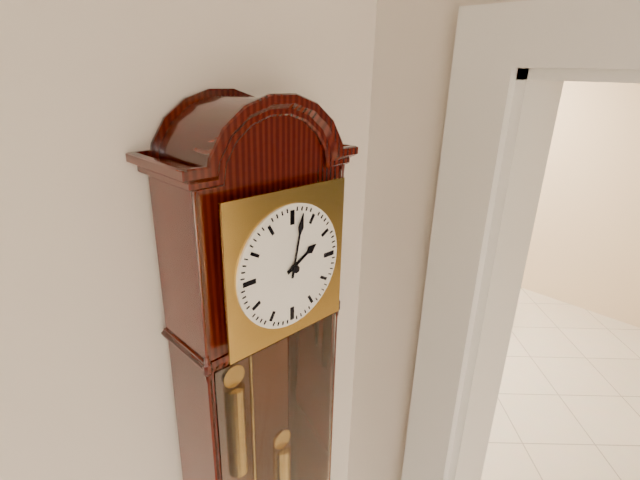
2:02
